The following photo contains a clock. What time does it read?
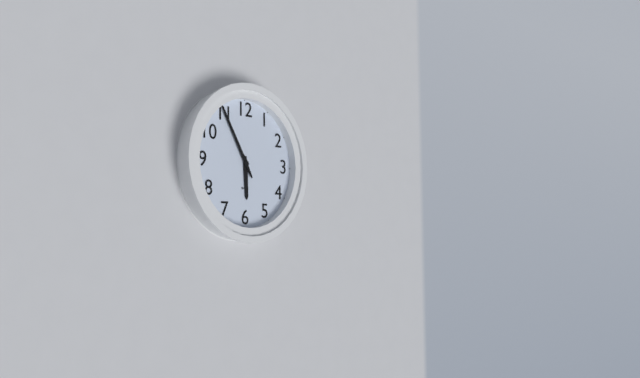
5:55
